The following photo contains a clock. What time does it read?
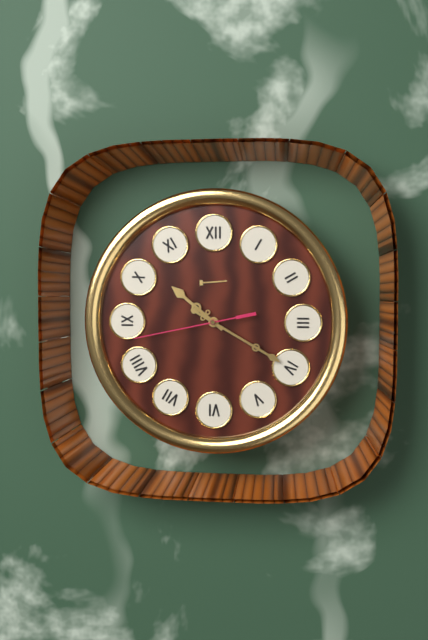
10:20:43
